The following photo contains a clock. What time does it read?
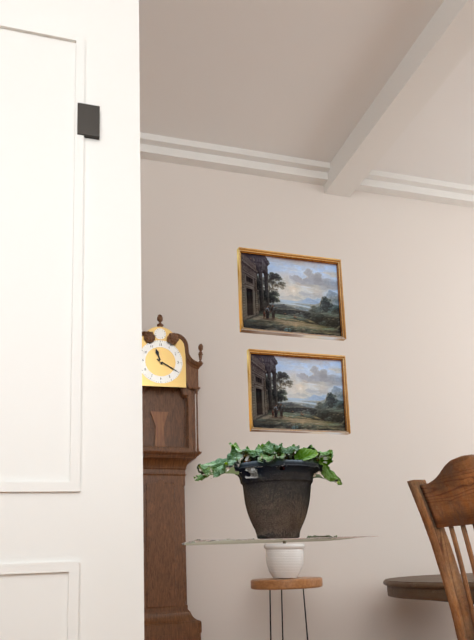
11:20
